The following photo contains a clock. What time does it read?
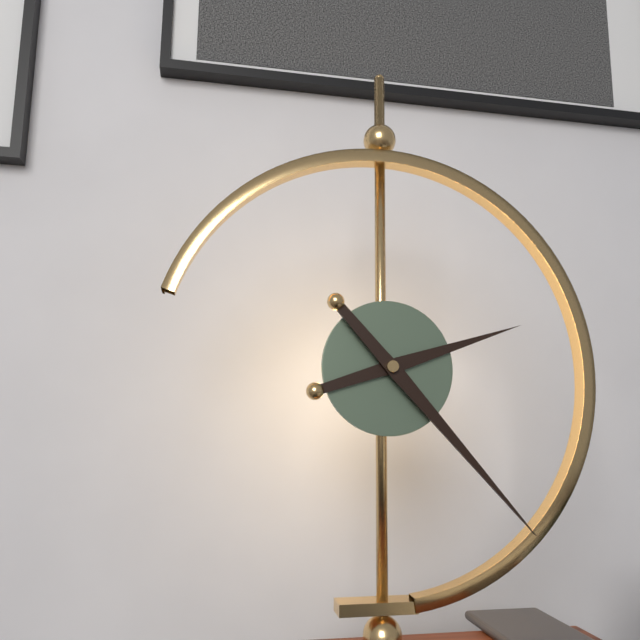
2:23
